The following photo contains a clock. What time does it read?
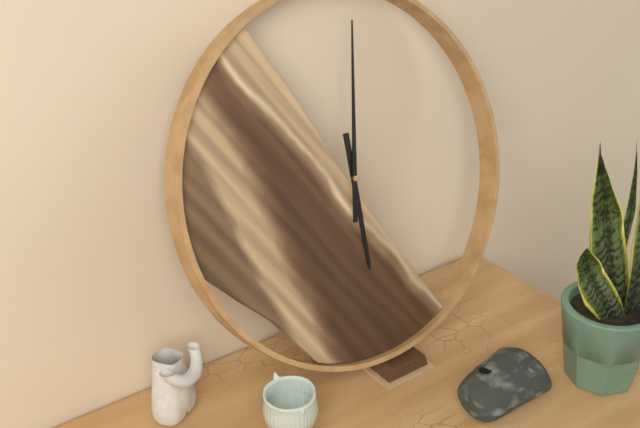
6:02
